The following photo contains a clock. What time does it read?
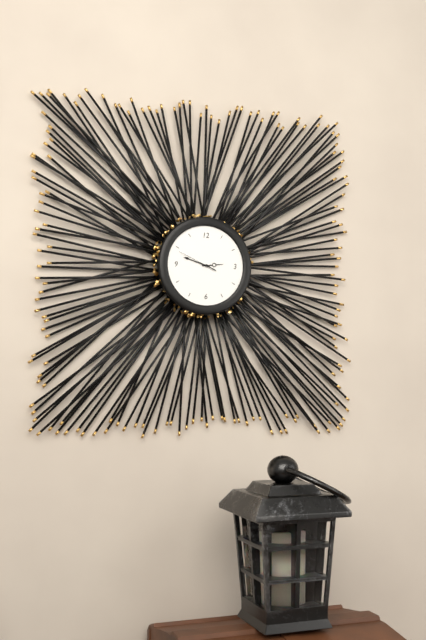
2:48
